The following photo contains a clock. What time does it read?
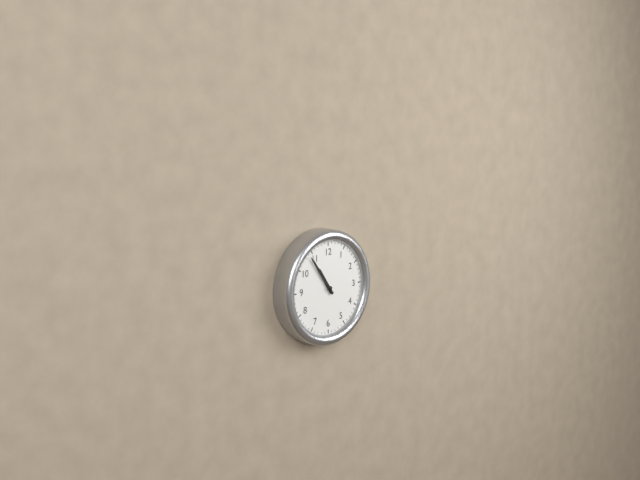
10:54
